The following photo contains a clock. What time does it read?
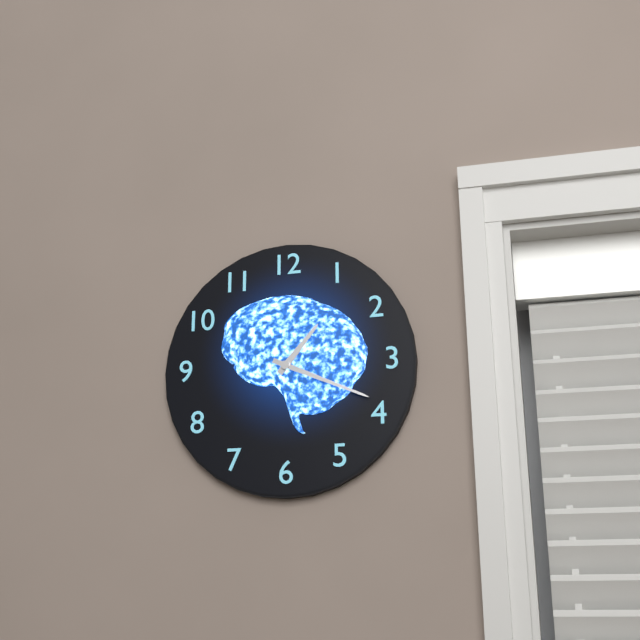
1:19
